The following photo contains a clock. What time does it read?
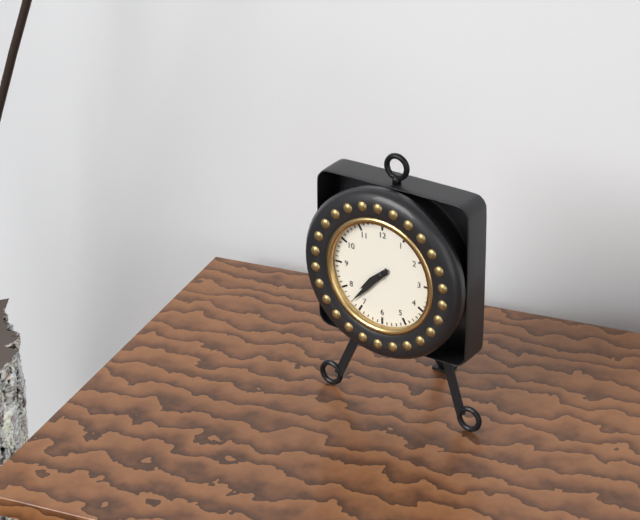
7:37
